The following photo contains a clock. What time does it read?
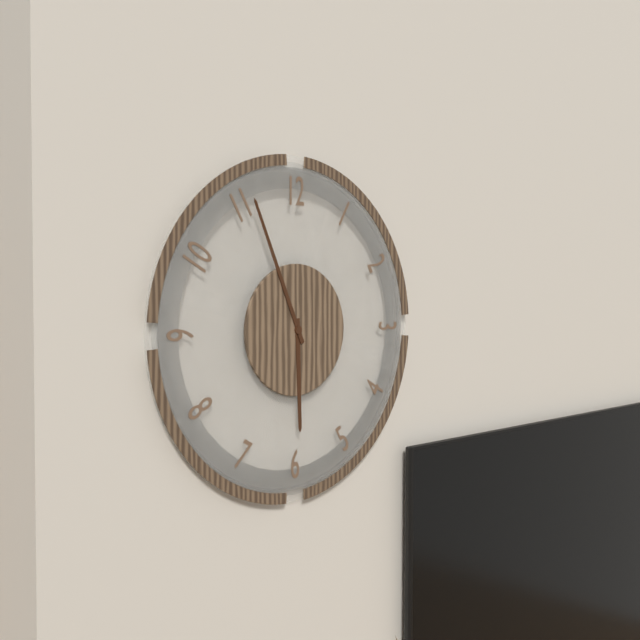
5:56
